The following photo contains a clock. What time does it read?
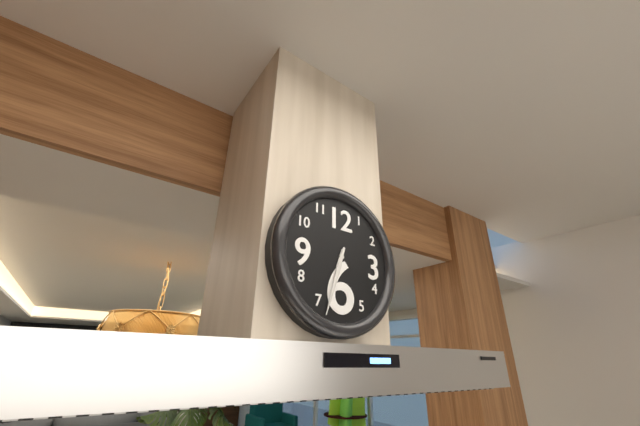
6:33
